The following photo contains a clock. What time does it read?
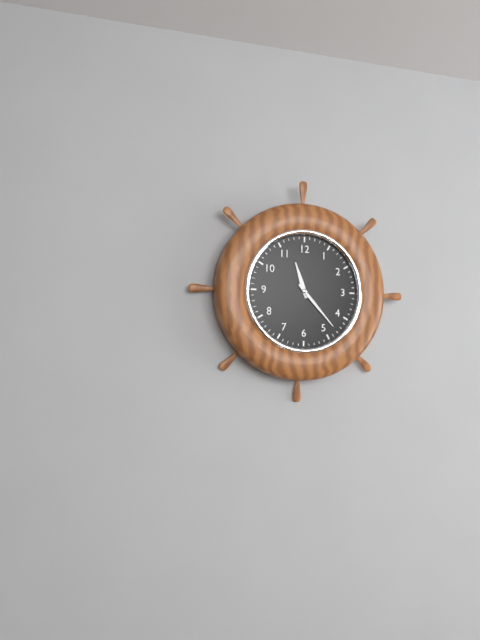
11:23
